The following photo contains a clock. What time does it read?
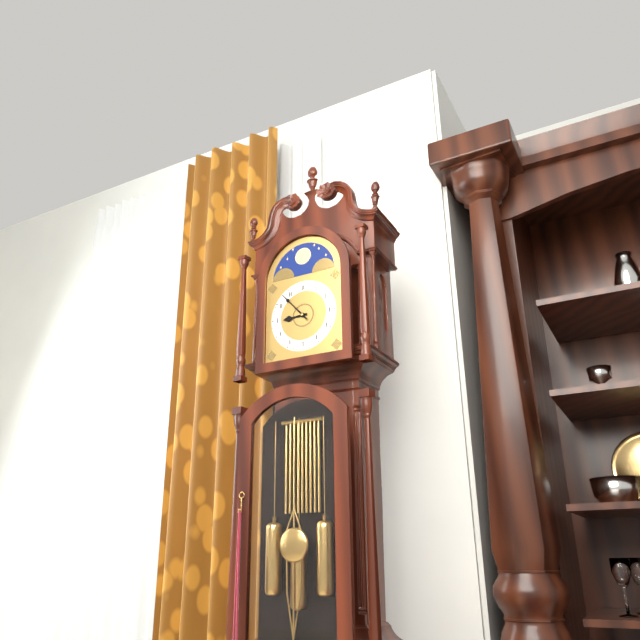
8:53
